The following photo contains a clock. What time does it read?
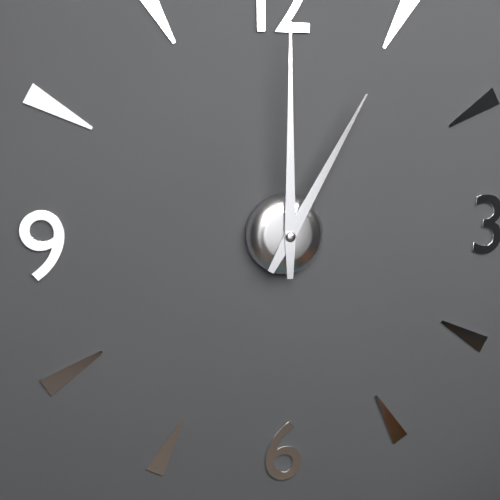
1:00
